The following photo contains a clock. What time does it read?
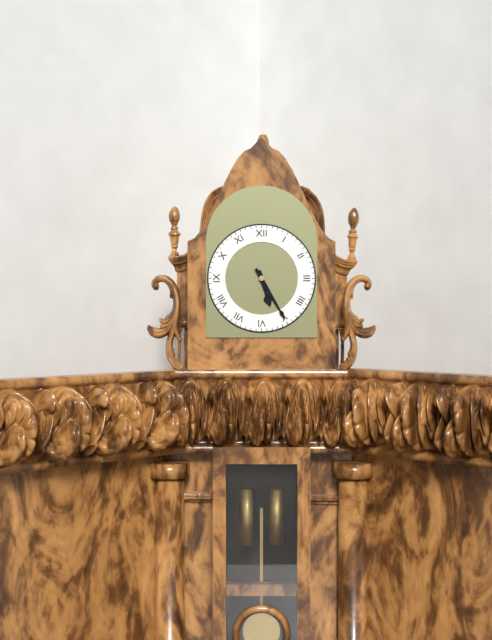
5:25
